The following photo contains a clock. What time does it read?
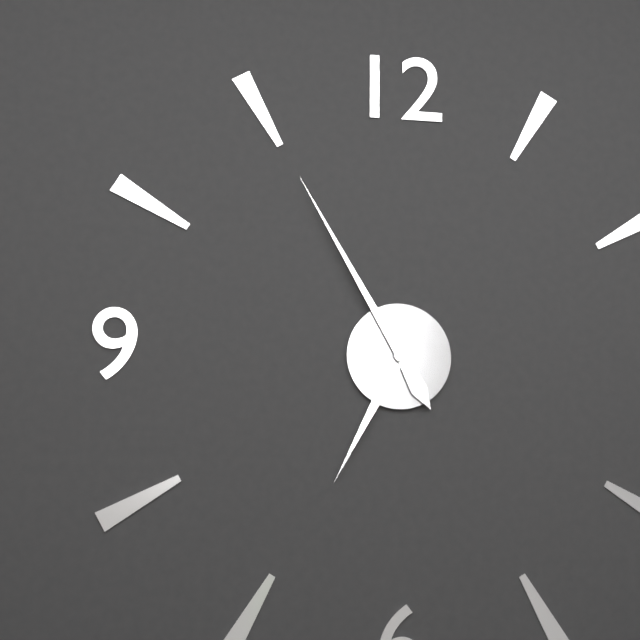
6:55
